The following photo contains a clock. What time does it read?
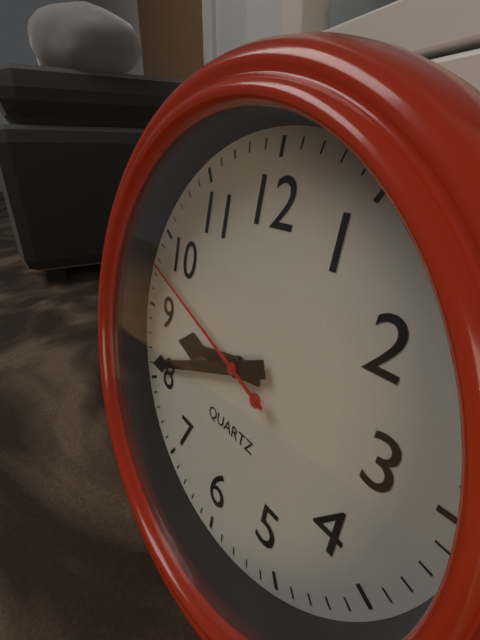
8:41:48
